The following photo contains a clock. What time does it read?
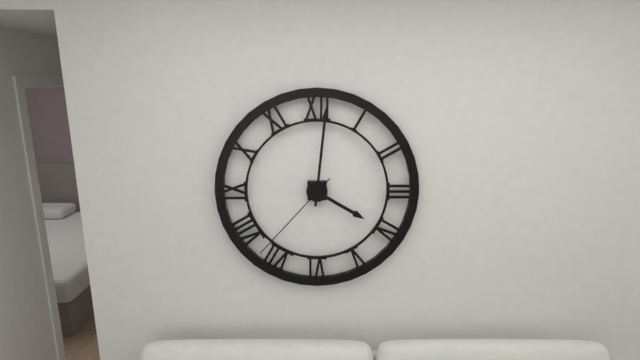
4:01:37
